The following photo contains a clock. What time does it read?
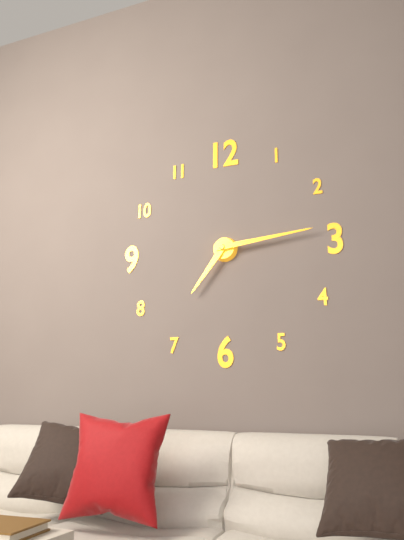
7:14
